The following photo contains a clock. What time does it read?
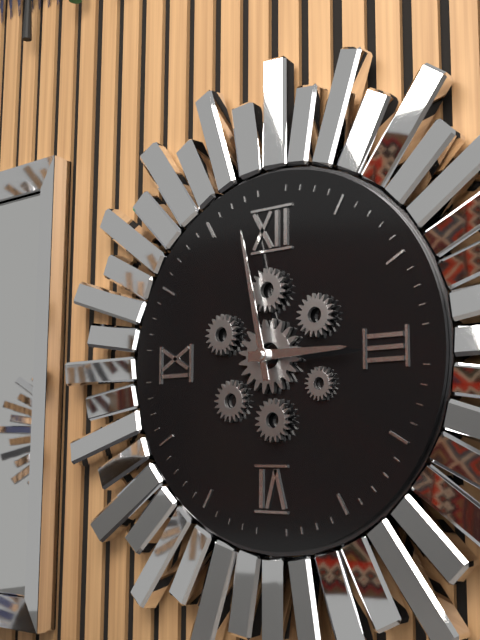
2:58
